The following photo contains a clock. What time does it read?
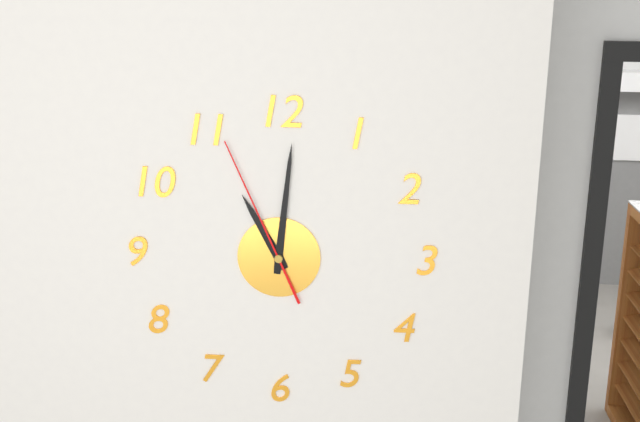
11:01:56
